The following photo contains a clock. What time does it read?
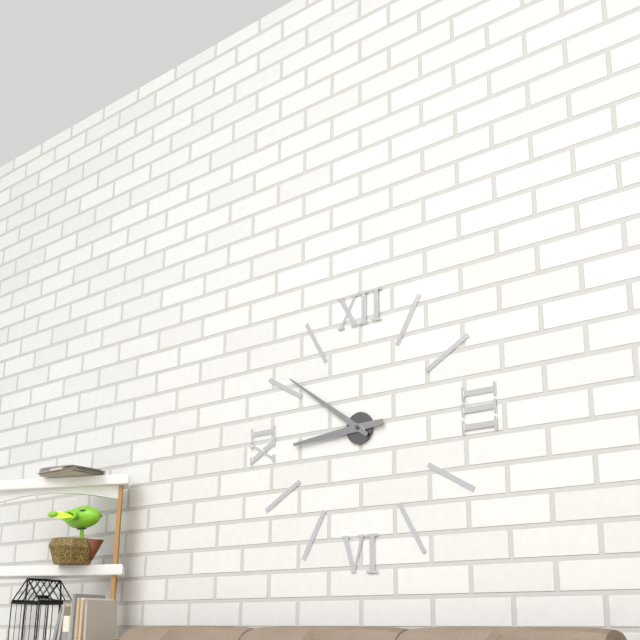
8:51
